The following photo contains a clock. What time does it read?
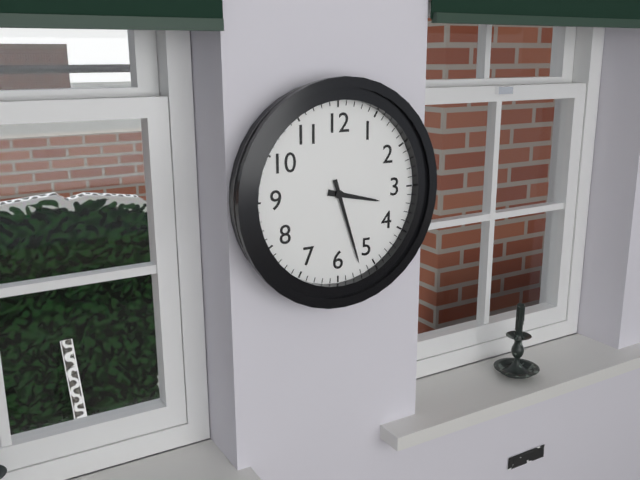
3:27
